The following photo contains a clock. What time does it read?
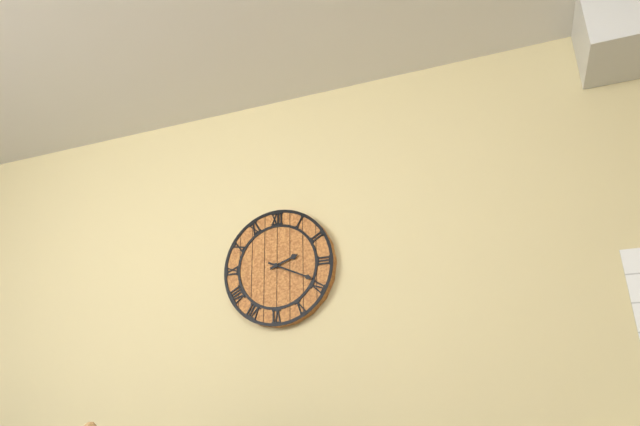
2:19
